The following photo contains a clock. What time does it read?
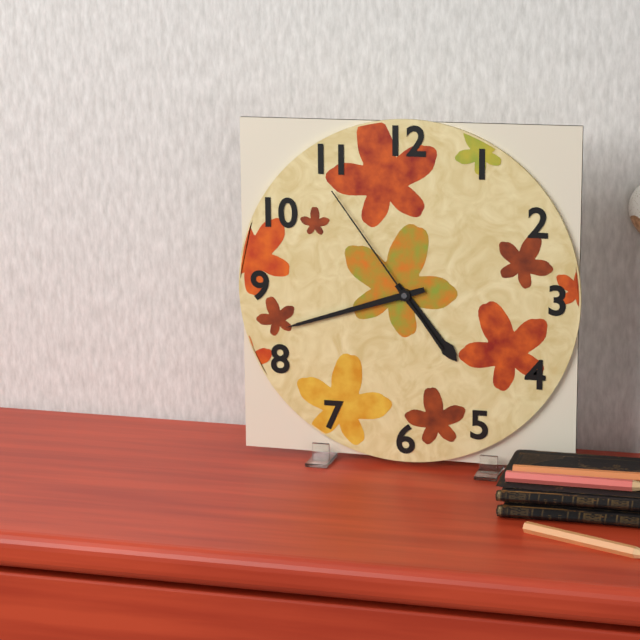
4:42:54
